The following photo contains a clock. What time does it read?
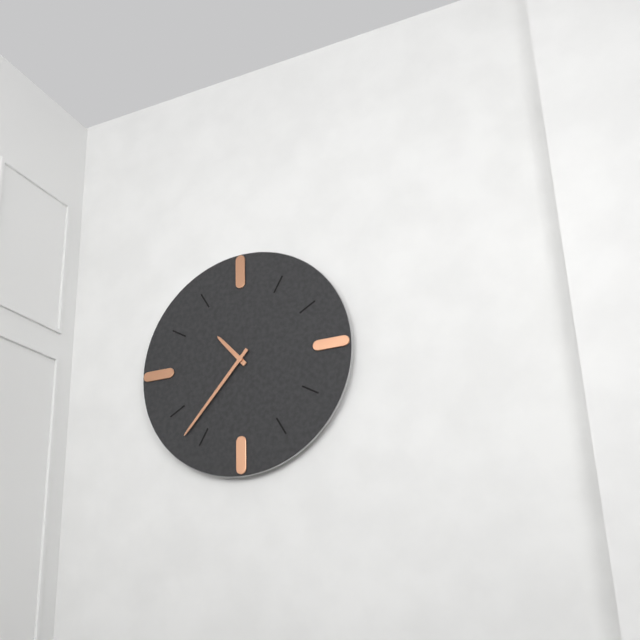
10:37
